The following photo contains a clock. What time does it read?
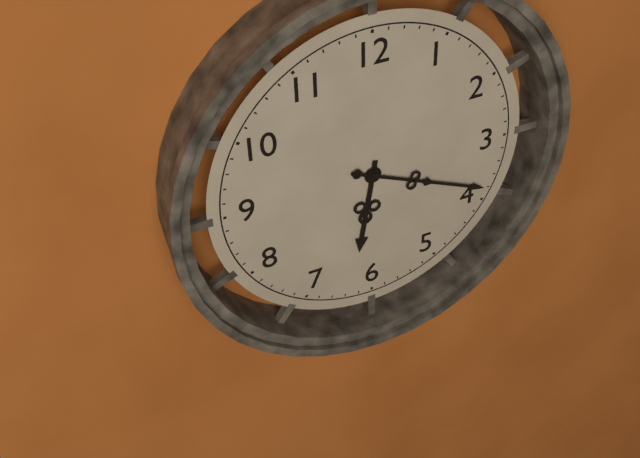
6:19
